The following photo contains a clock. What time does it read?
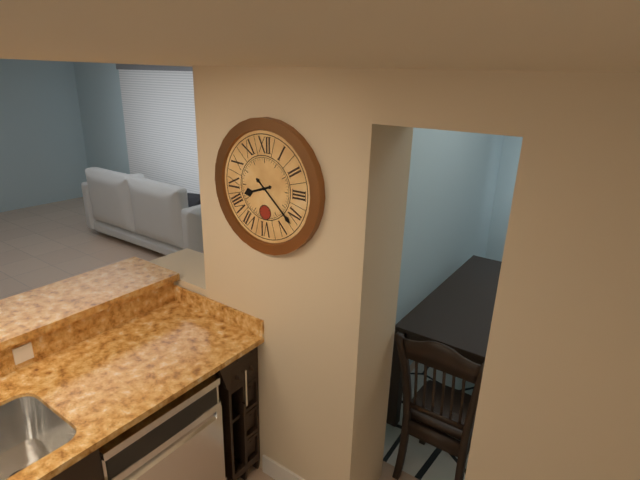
8:22
